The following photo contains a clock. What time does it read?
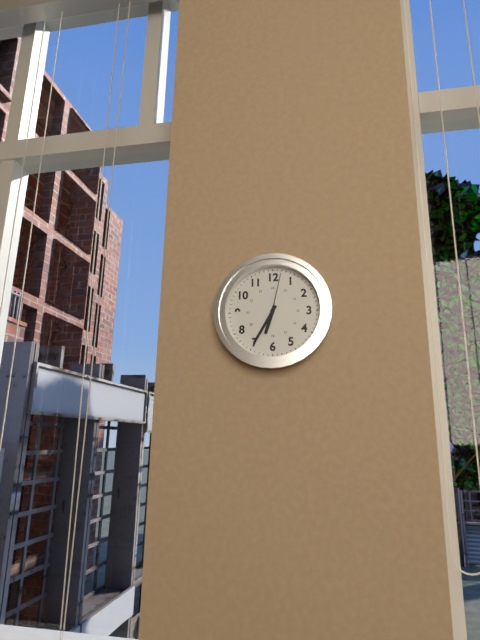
6:35:02
